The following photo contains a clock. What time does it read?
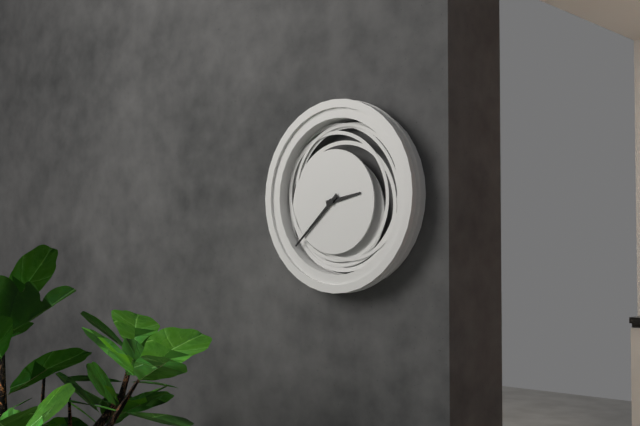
2:38
